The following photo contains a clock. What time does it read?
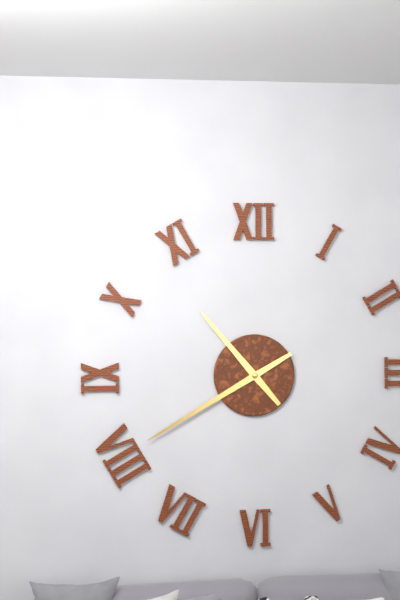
10:40
